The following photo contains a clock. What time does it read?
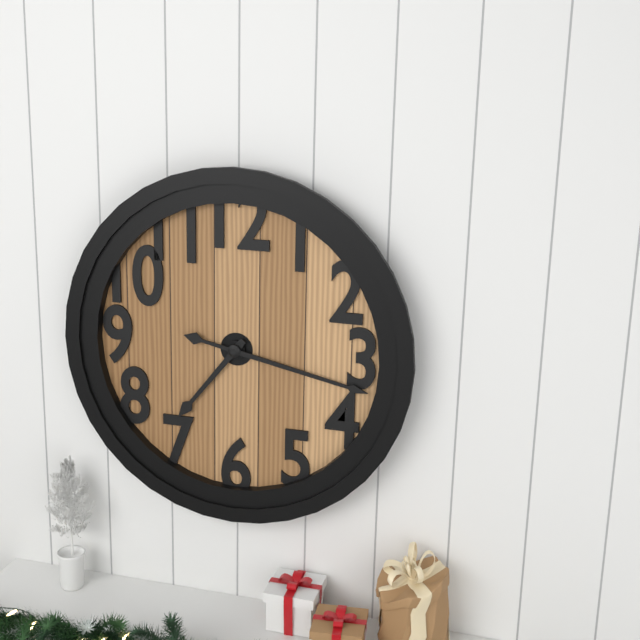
7:17
